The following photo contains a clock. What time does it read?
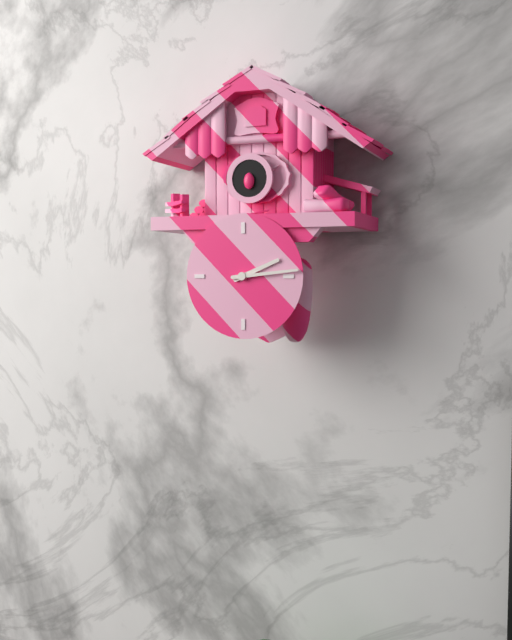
2:14
